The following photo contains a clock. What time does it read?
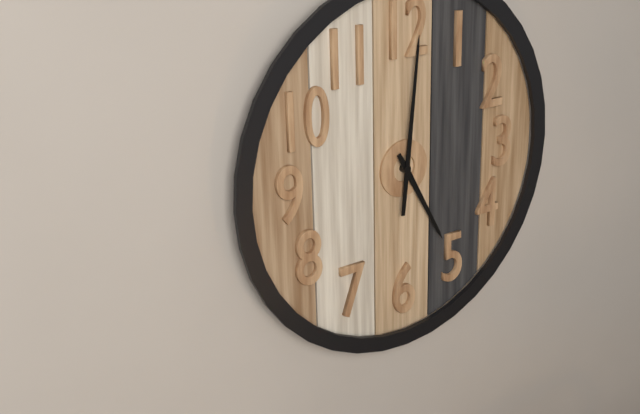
5:01
